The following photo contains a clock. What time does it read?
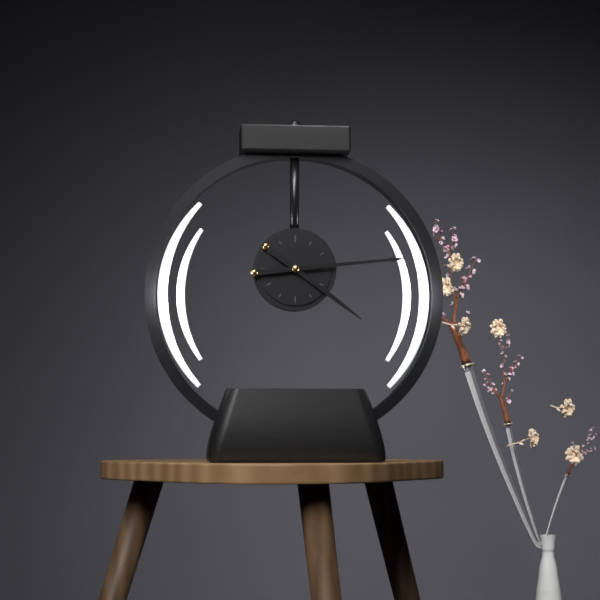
4:14
